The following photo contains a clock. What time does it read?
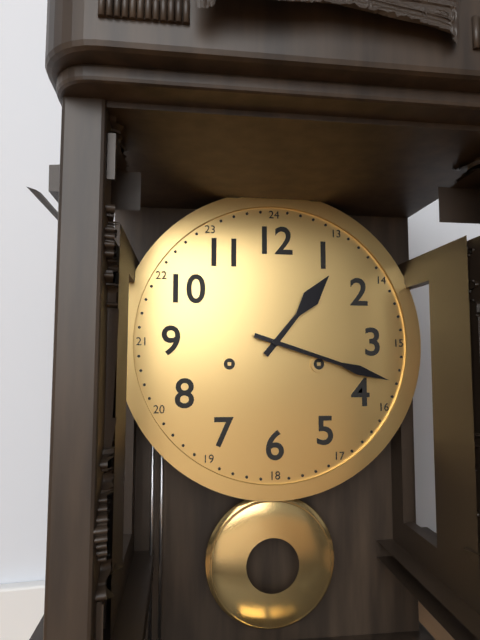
1:18
